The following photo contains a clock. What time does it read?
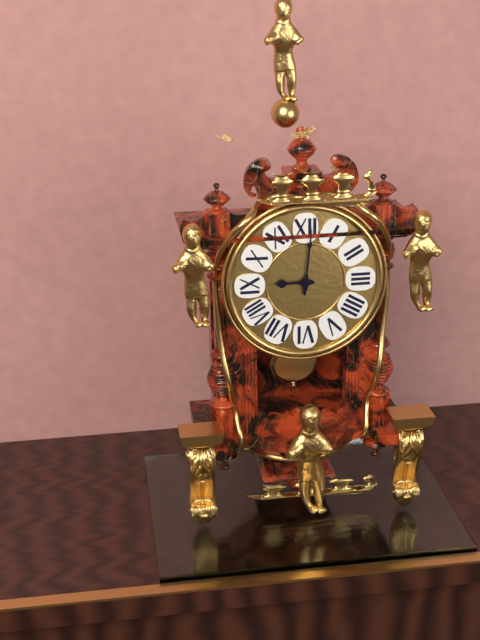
9:01
